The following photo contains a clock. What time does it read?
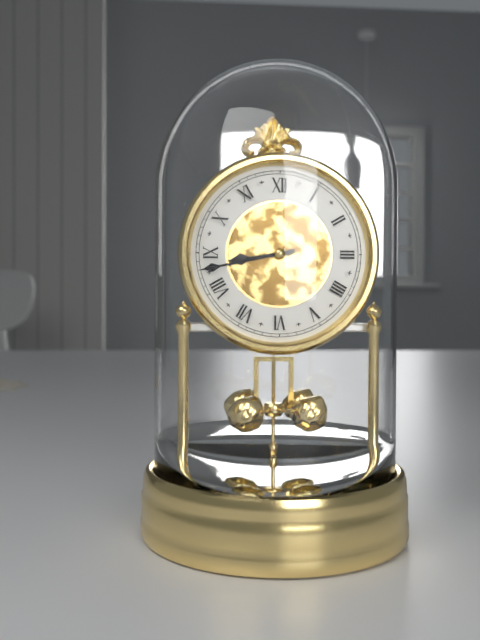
8:43
